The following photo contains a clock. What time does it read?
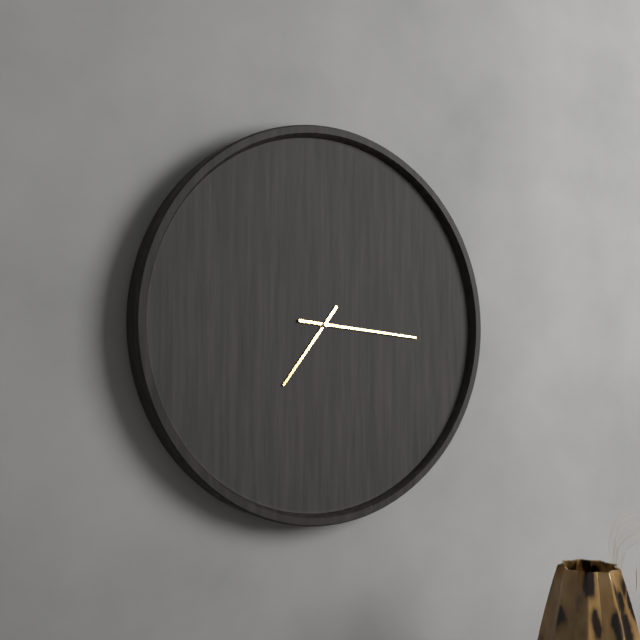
7:16
